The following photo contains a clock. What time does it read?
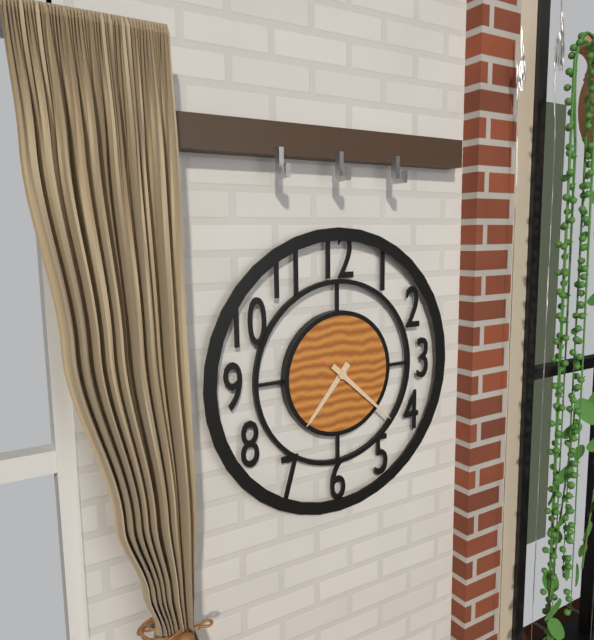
7:22
